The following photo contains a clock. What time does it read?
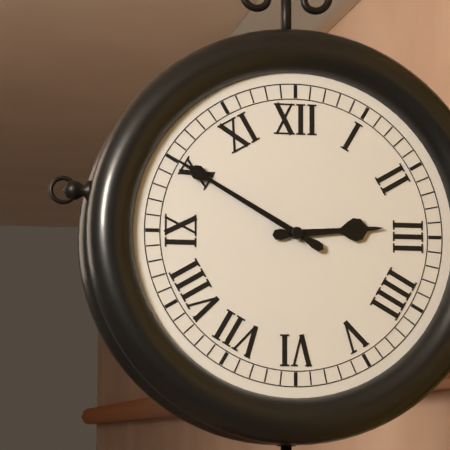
2:50
